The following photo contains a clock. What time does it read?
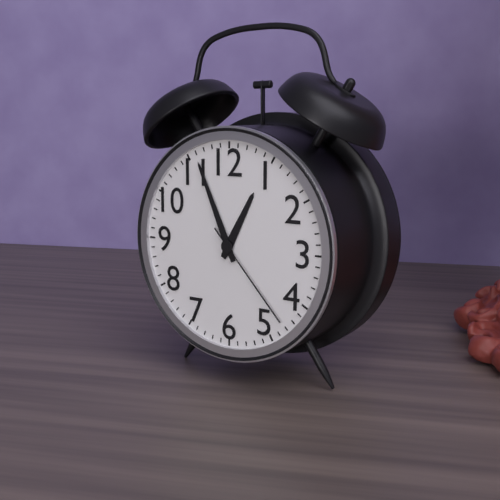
12:56:23
